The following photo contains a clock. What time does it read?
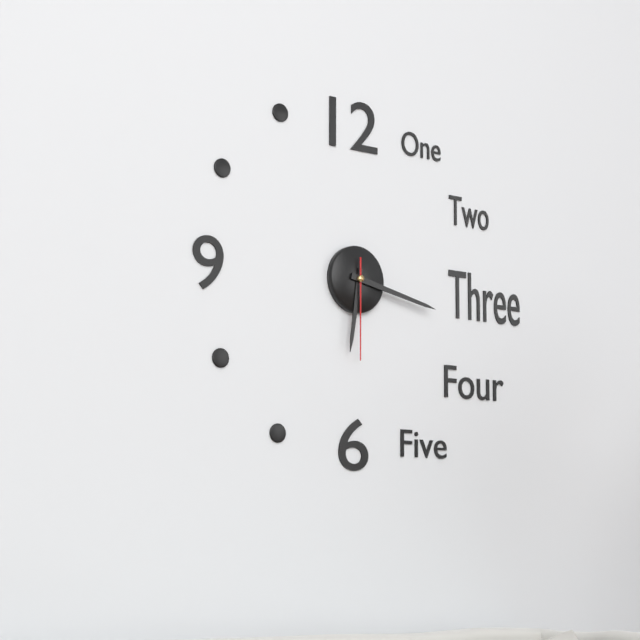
6:17:30
